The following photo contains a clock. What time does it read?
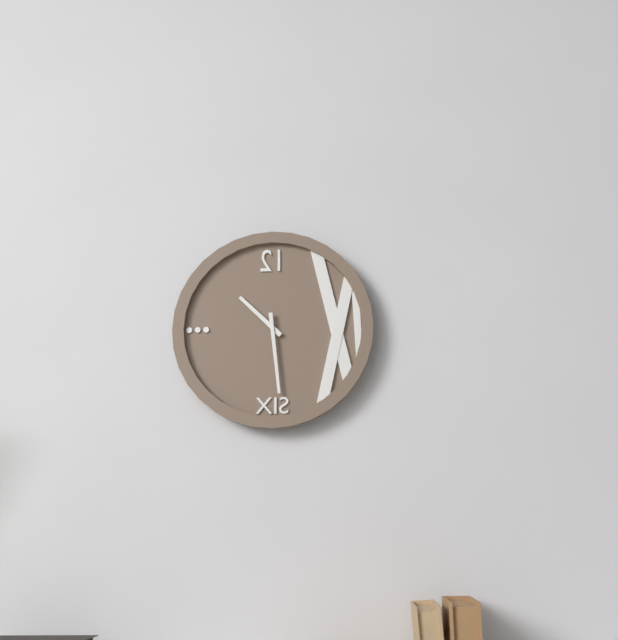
10:29
